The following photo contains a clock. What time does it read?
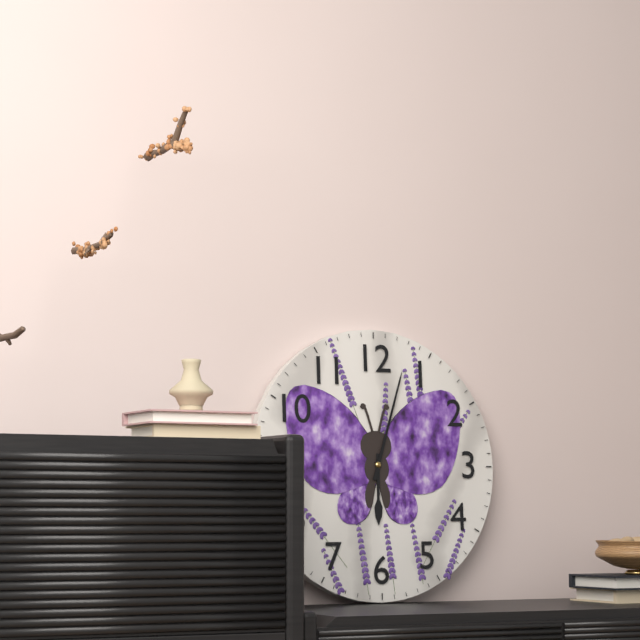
6:03
